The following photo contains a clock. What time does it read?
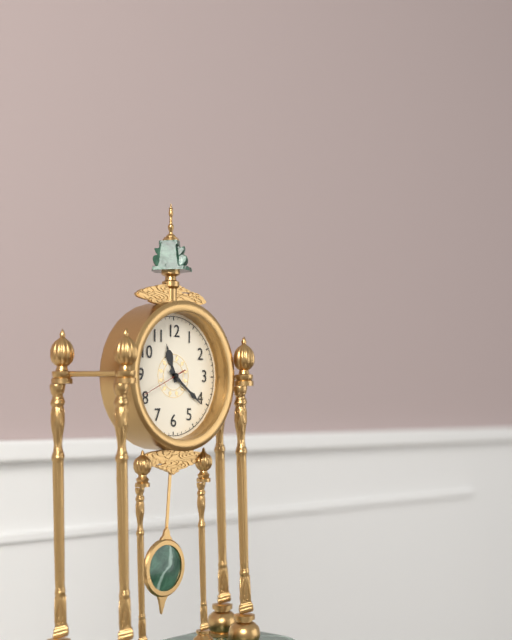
11:21:41
